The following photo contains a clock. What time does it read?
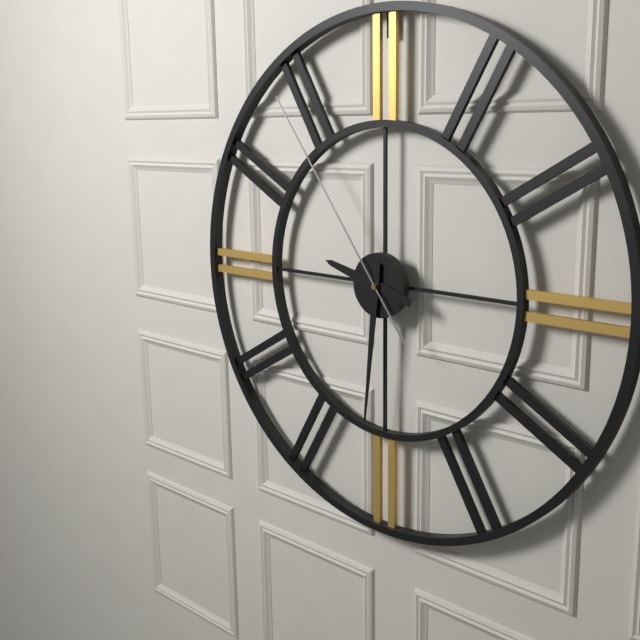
9:31:54
